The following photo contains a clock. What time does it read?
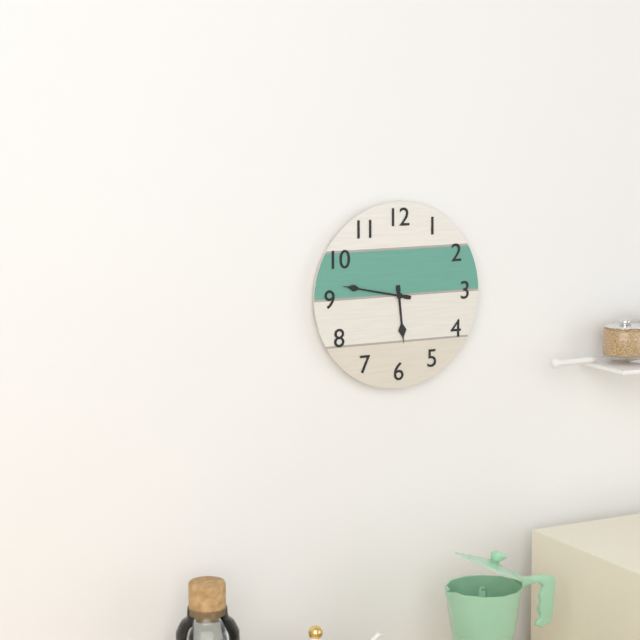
5:47
